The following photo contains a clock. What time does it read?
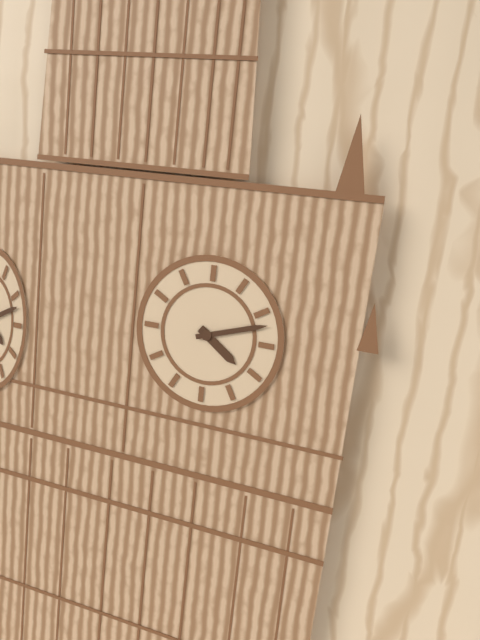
4:12
